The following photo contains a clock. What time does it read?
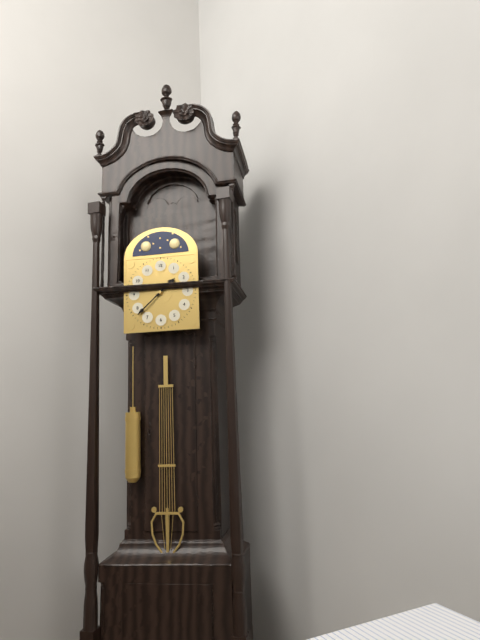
1:38
